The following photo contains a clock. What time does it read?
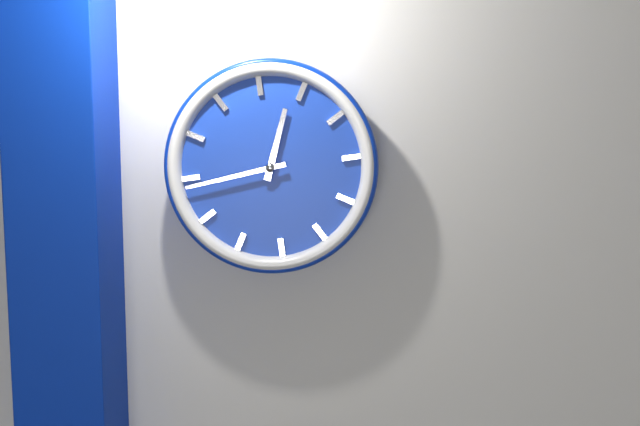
12:44
